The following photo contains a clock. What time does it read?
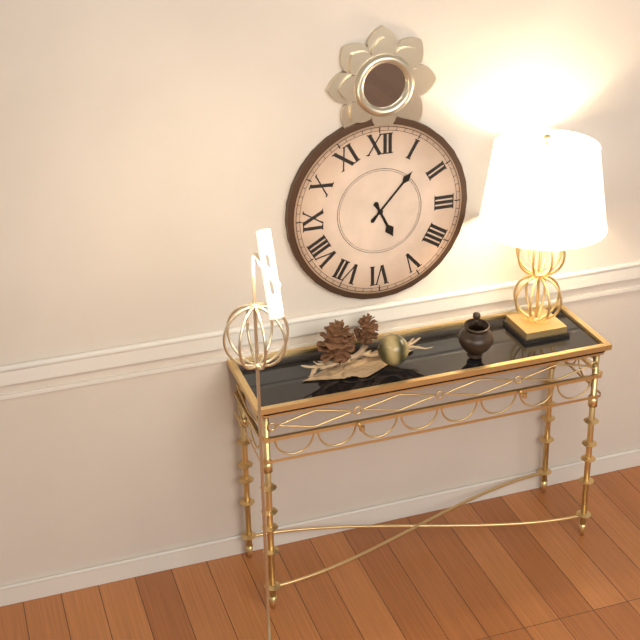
5:07
